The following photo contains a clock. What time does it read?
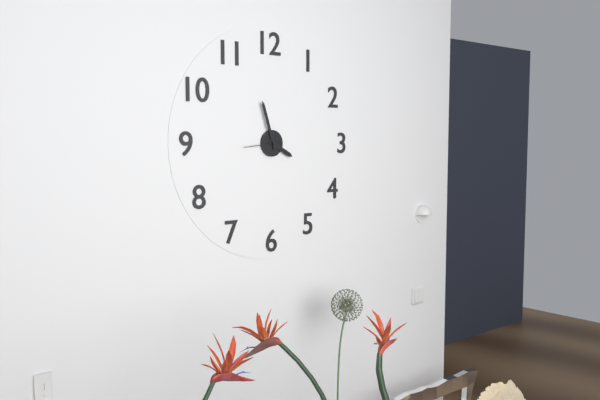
3:57
